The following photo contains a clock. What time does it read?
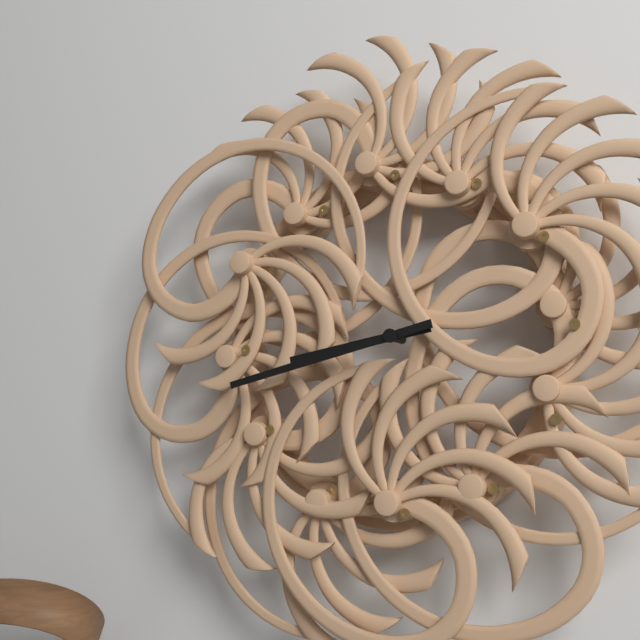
8:43
